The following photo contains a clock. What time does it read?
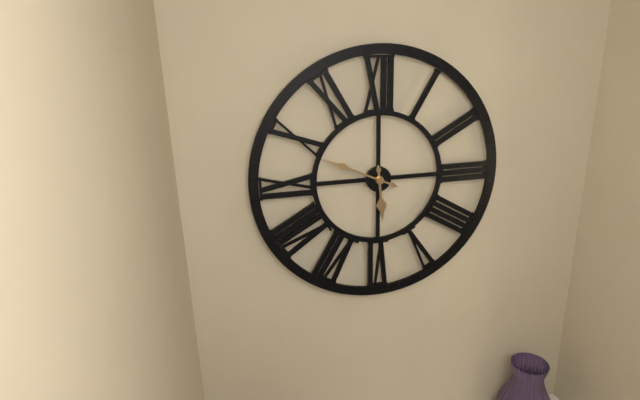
5:49
